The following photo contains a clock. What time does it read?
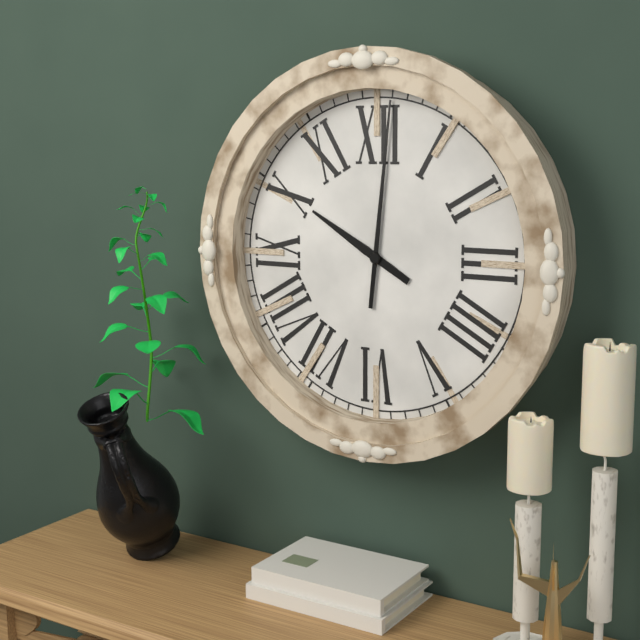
10:01
